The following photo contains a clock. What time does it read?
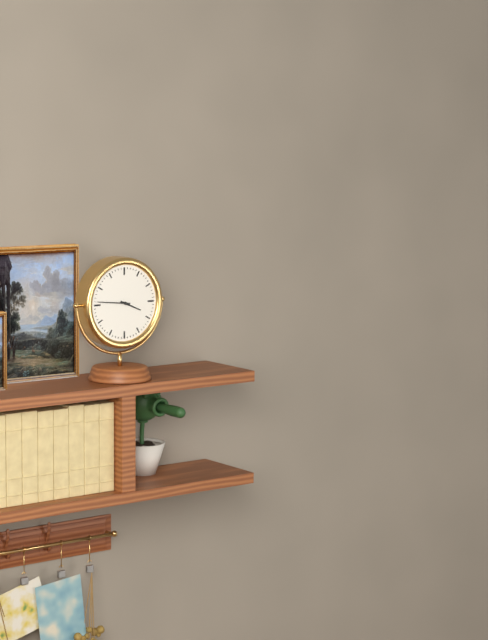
3:46
